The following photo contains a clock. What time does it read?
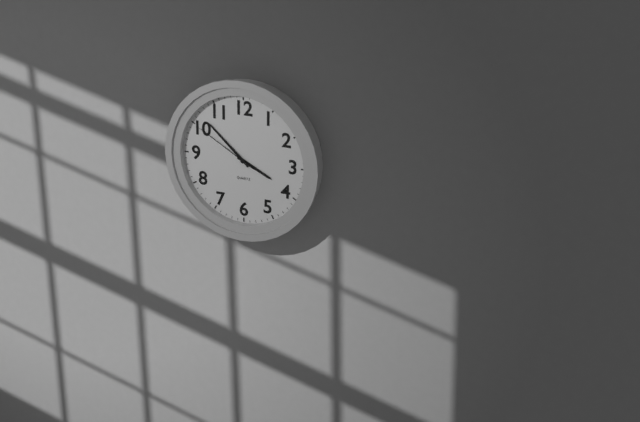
3:52:50
